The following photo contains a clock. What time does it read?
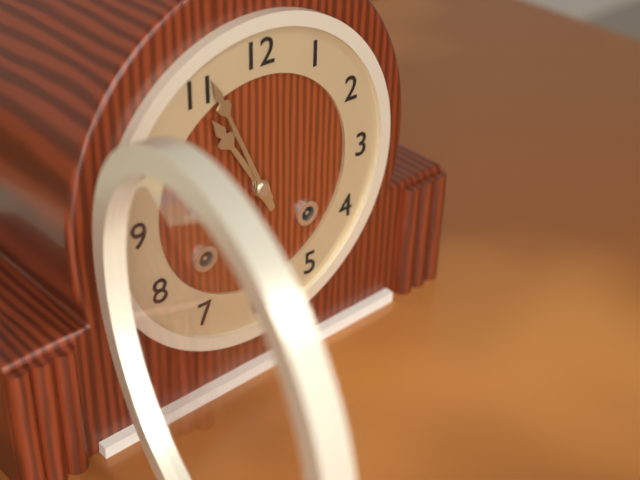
10:56
